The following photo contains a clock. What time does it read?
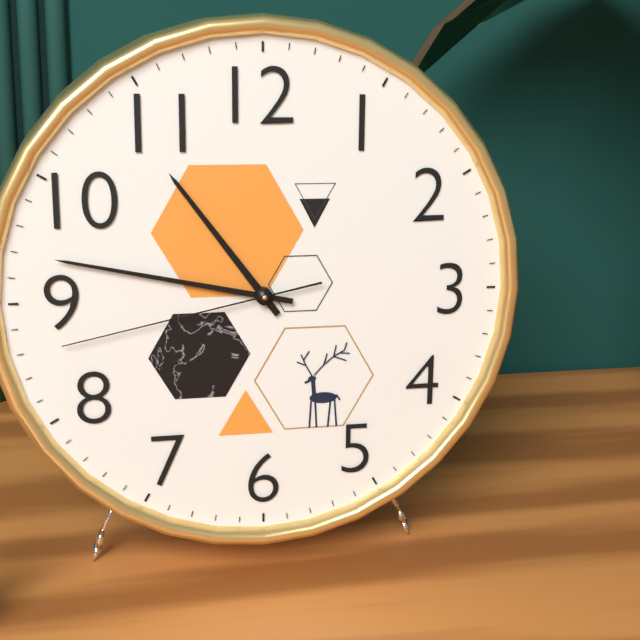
10:47:43
